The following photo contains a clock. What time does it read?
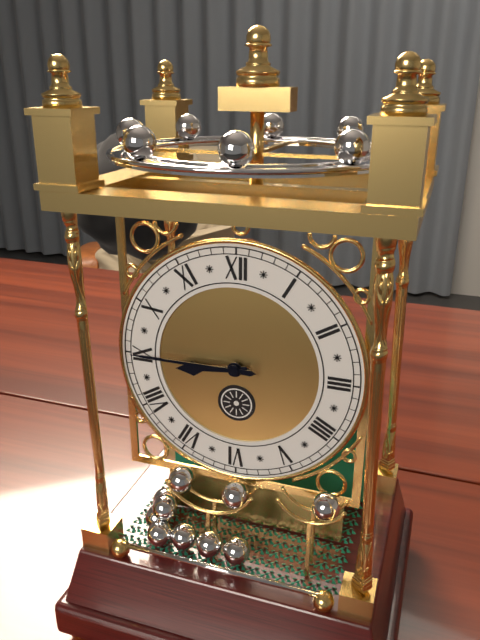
8:45
